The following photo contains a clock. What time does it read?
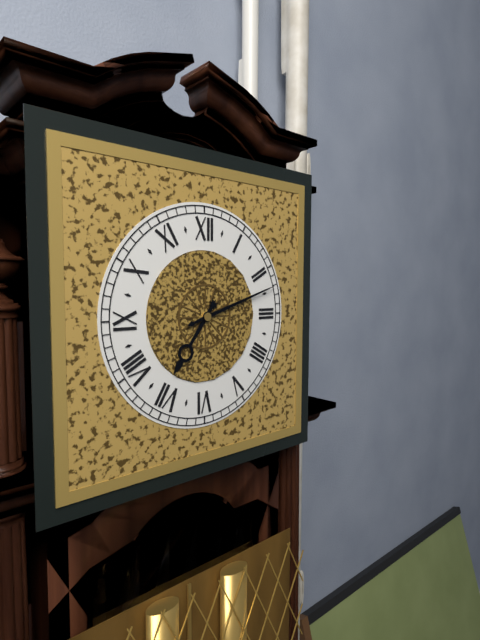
7:12
